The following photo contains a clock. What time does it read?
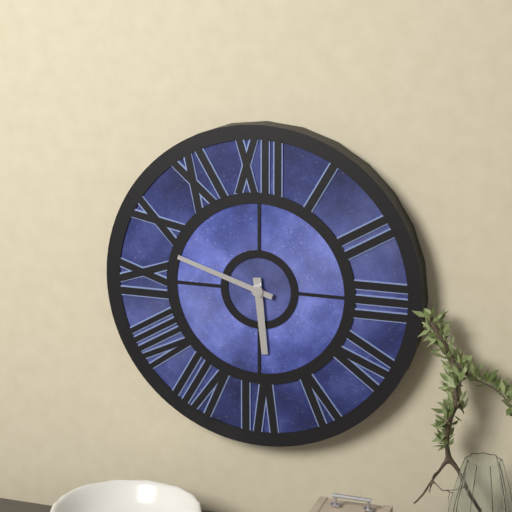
5:48
